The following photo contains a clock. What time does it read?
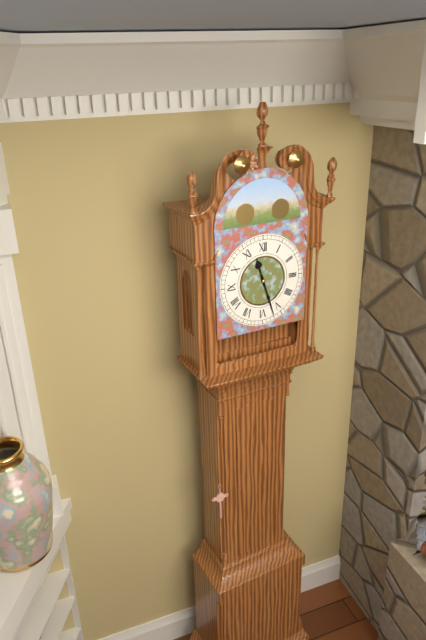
11:27
